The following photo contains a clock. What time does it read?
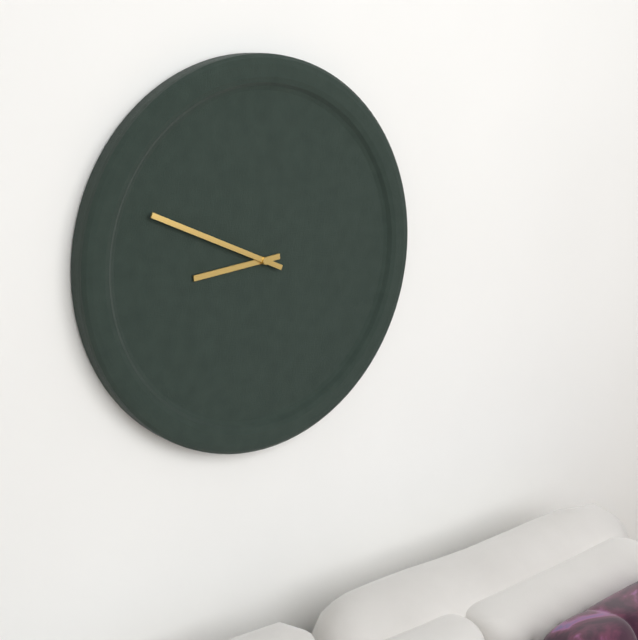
8:49
